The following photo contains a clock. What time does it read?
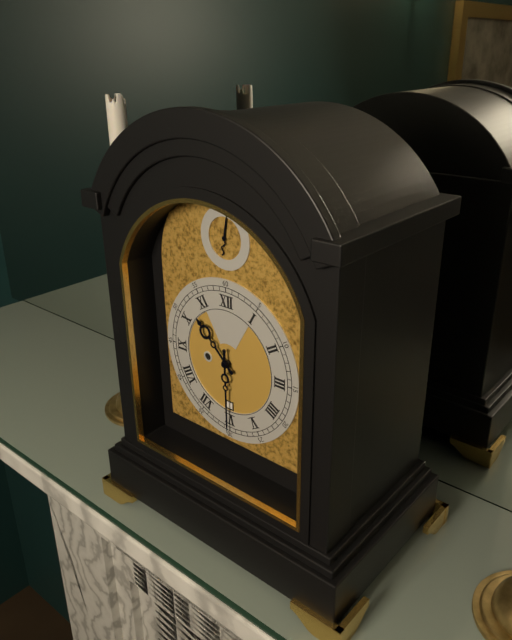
10:30
